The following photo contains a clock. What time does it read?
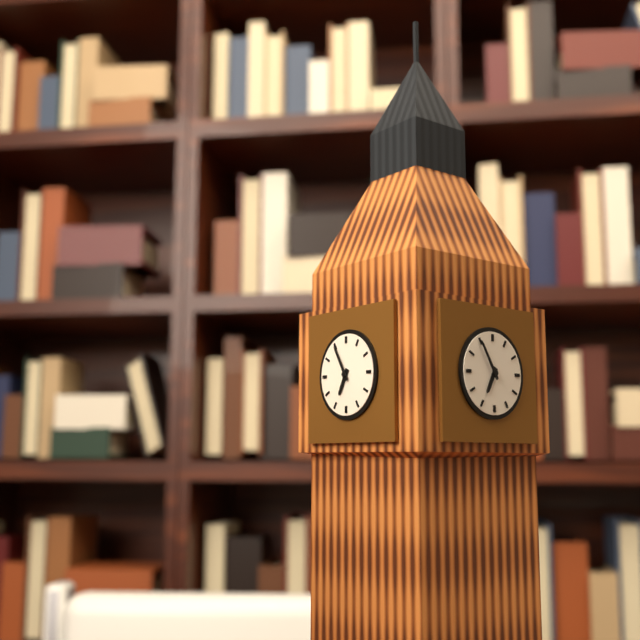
6:55
